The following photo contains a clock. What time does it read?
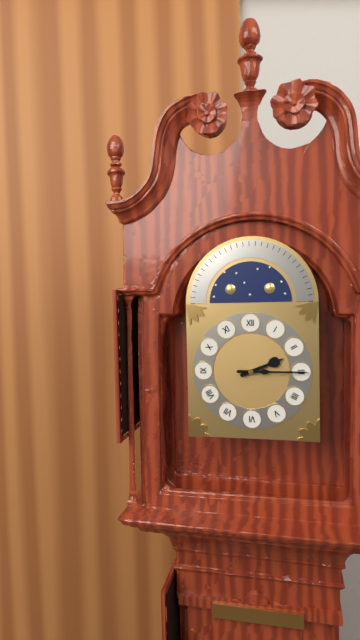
2:15
